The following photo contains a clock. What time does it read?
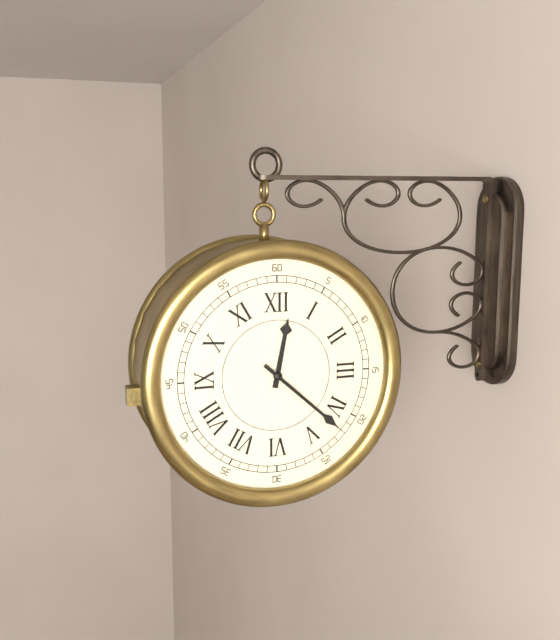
12:22
